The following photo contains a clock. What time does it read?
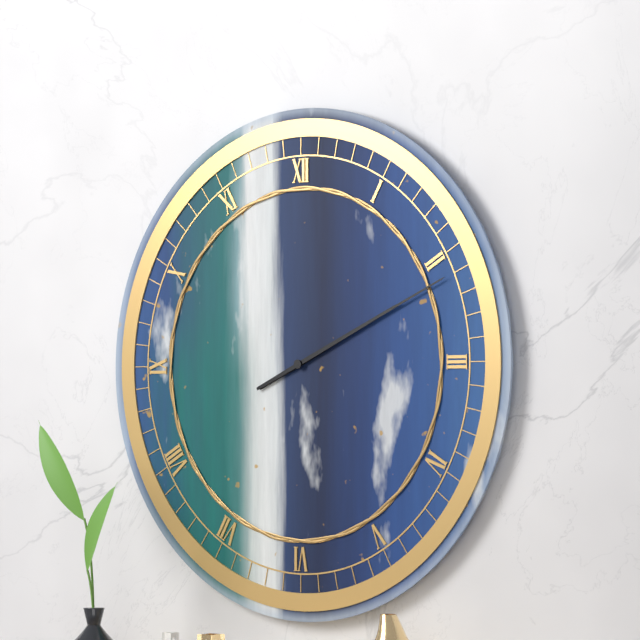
2:11
